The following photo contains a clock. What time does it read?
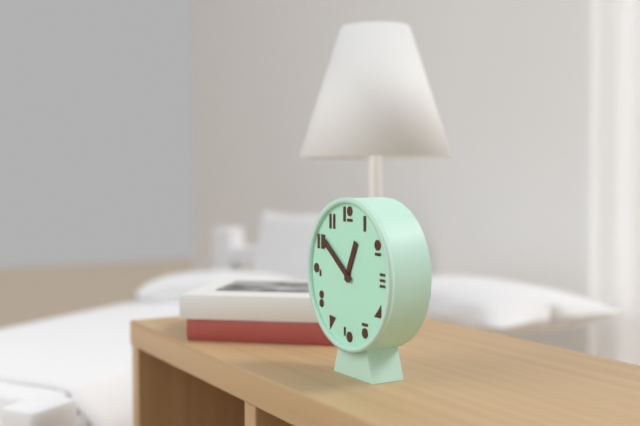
12:51
